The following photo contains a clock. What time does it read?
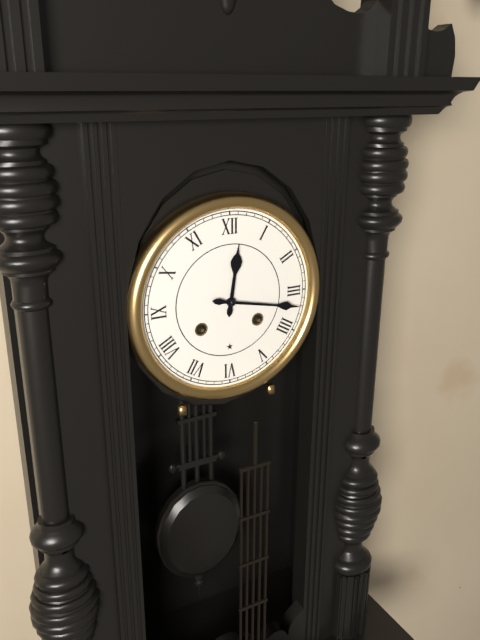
12:17
